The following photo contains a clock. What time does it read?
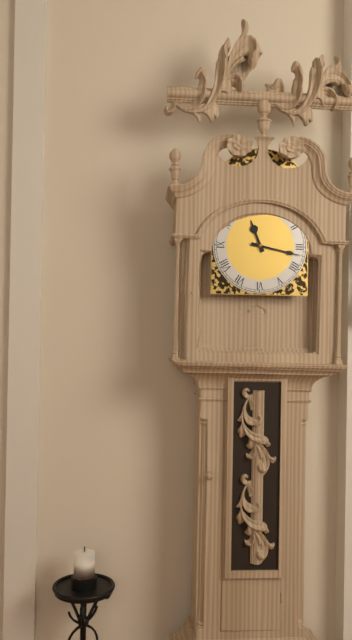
11:17
